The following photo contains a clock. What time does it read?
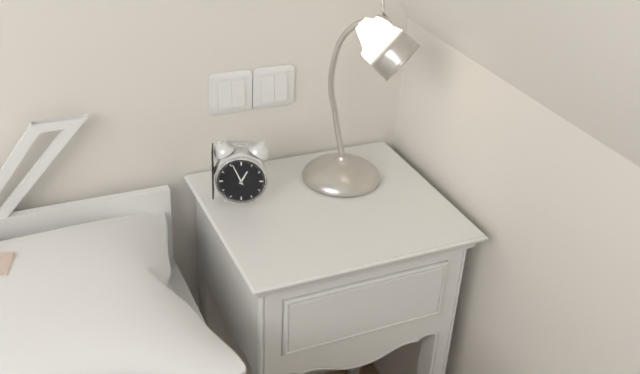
12:56
